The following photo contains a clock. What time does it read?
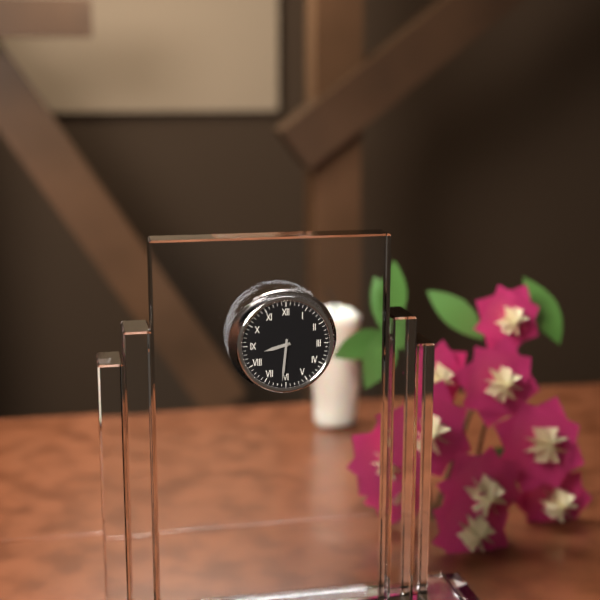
8:31
